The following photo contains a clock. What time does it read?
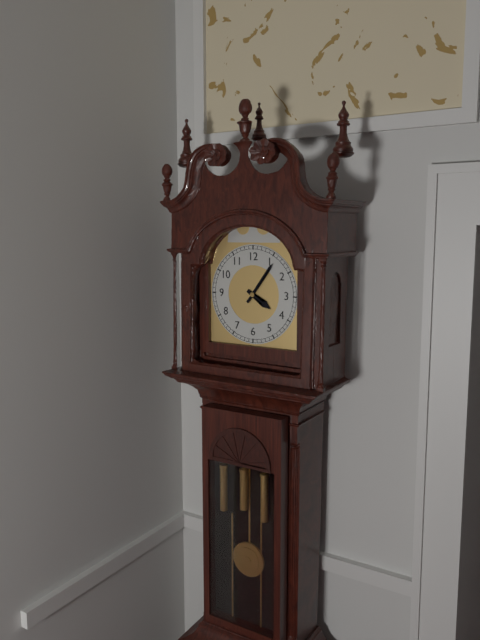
4:06
